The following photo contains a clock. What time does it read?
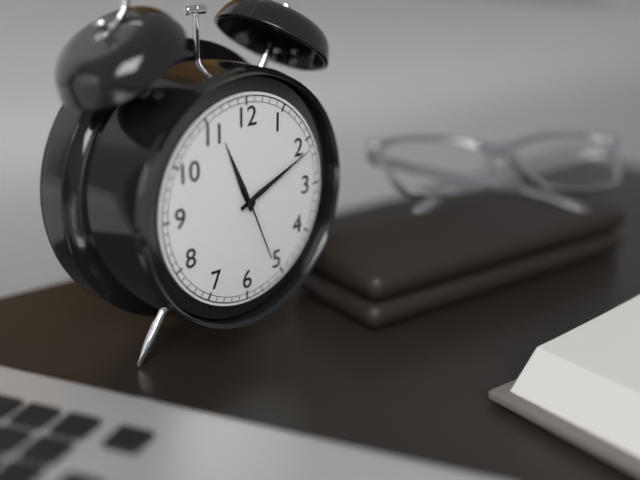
11:11:26
